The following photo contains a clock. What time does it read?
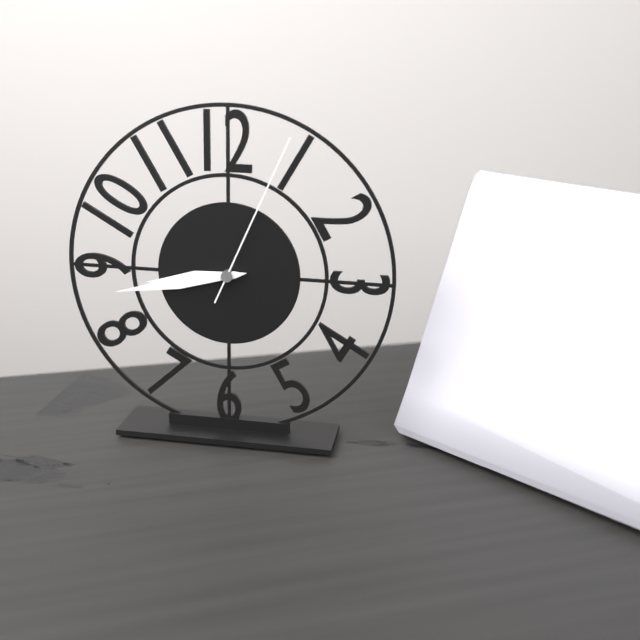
8:43:04
